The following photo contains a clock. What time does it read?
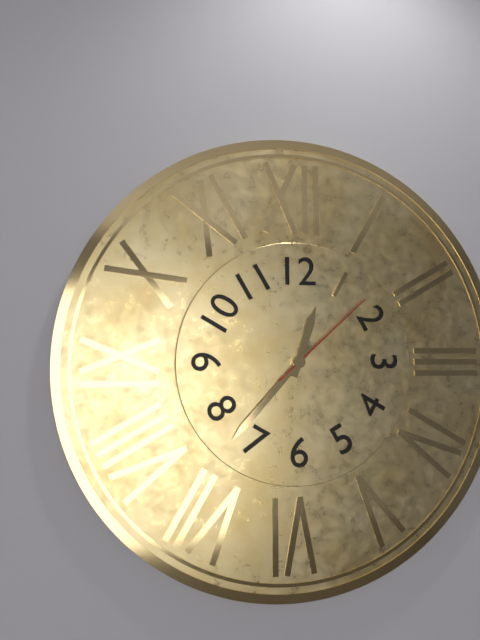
12:37:08
